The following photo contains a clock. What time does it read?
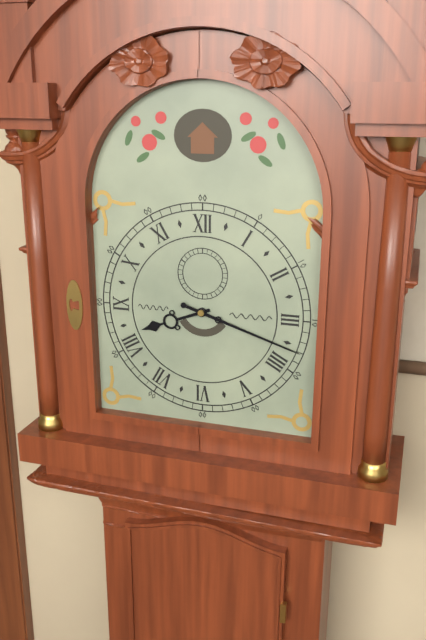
8:18
